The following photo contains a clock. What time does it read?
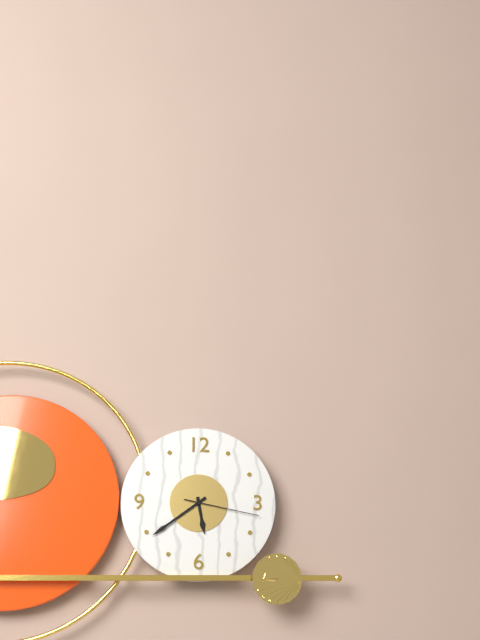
5:39:17
